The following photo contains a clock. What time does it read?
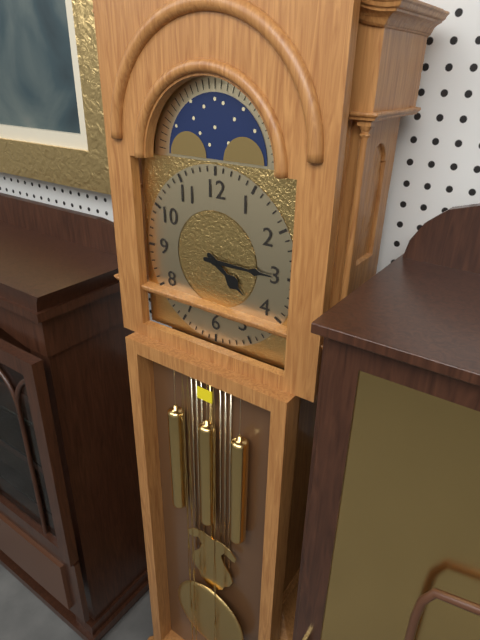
4:15
